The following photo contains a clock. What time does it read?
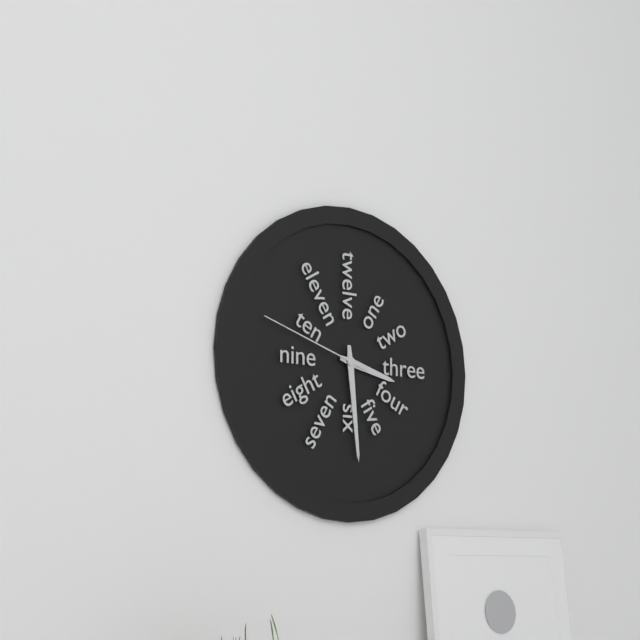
3:29:48
